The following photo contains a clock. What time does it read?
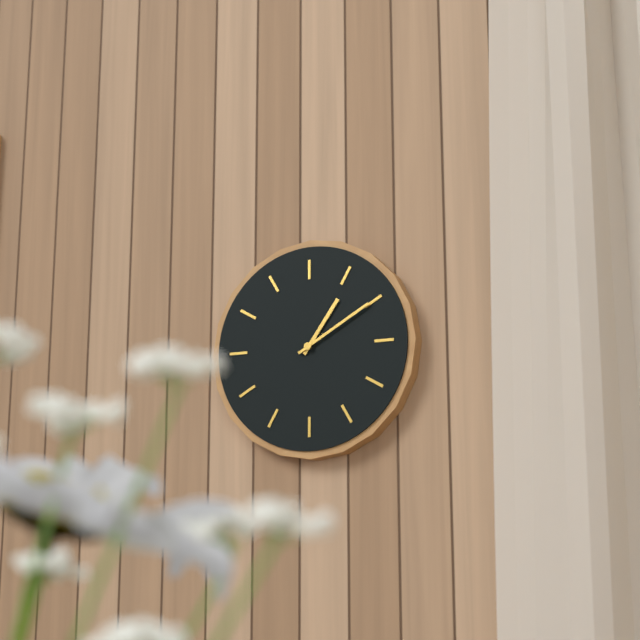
1:10
